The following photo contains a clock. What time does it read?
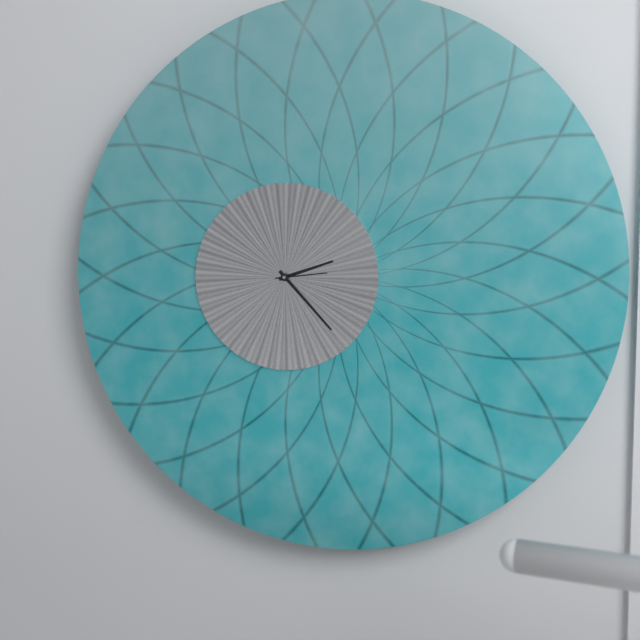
2:23:14
